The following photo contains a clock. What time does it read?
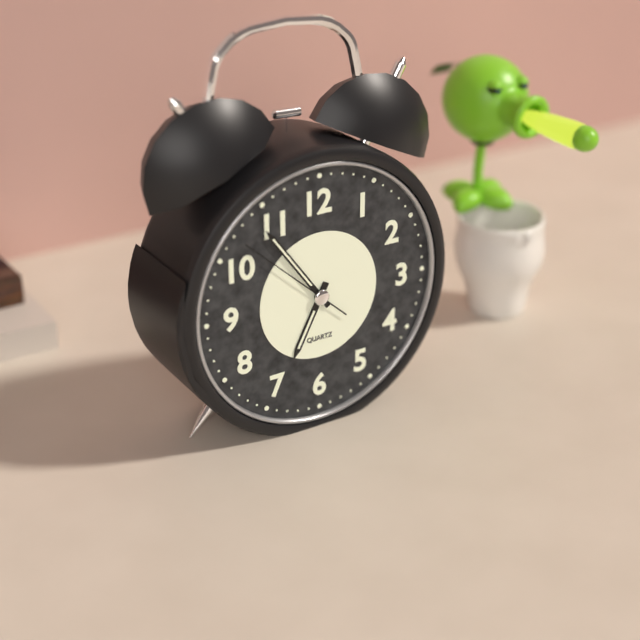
6:54:52
